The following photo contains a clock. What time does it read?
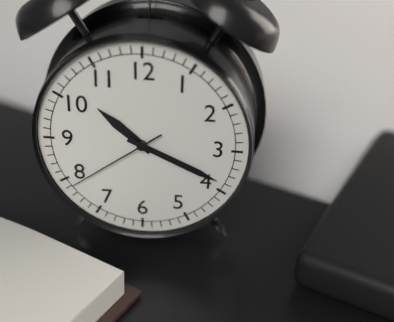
10:19:39
